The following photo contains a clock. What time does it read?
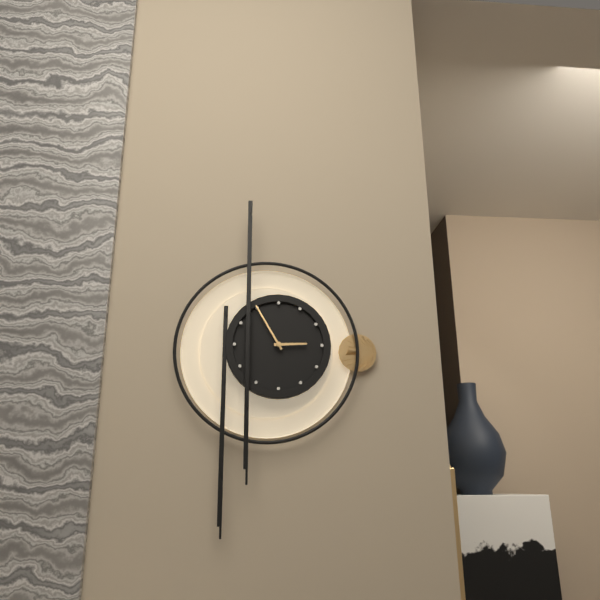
2:55
